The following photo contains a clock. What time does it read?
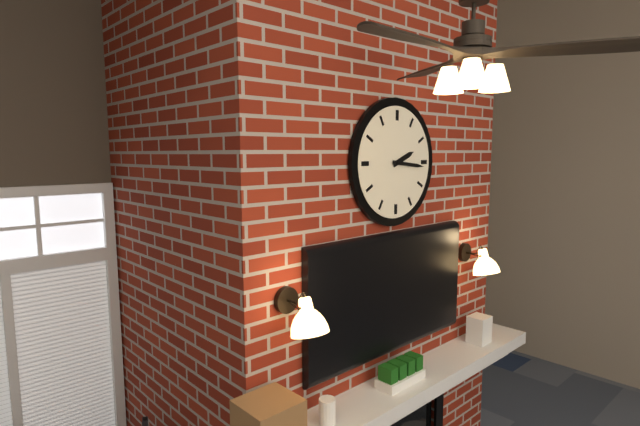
2:16
